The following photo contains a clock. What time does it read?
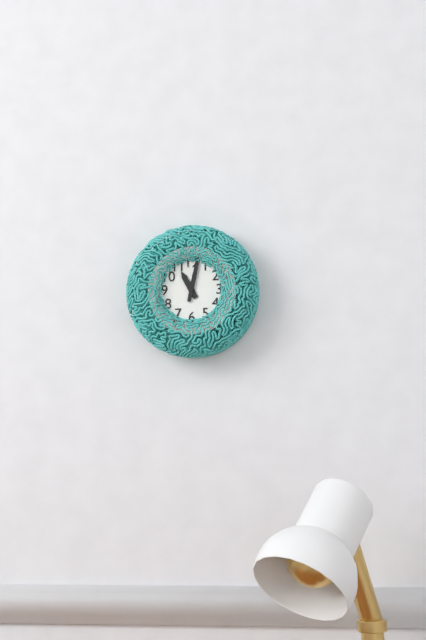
11:02
